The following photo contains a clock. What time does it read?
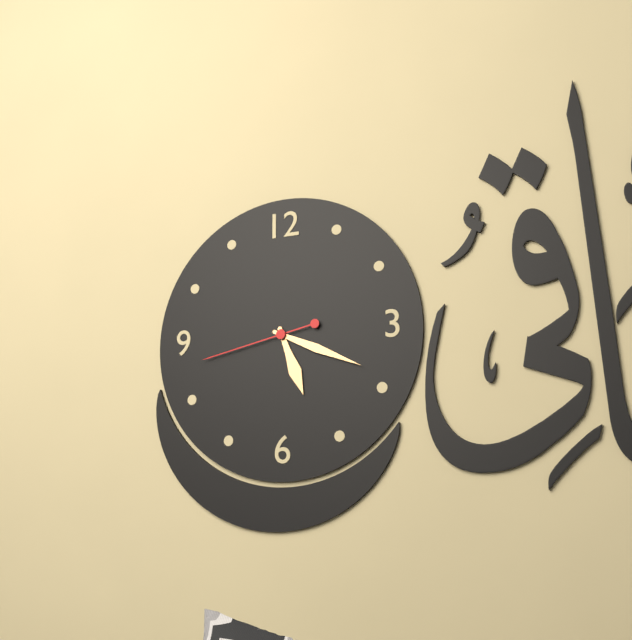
5:19:43
